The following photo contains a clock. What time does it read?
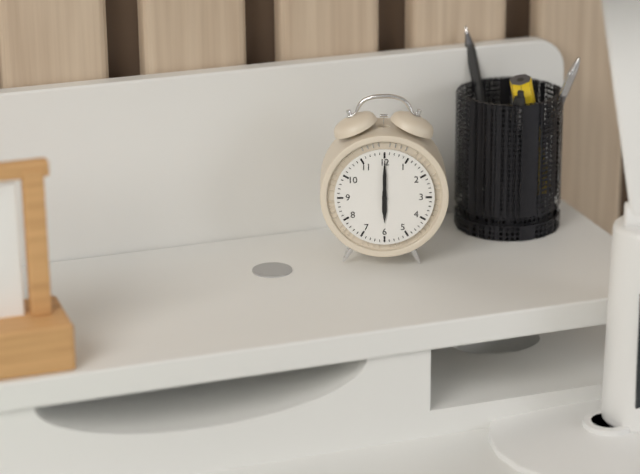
6:00
